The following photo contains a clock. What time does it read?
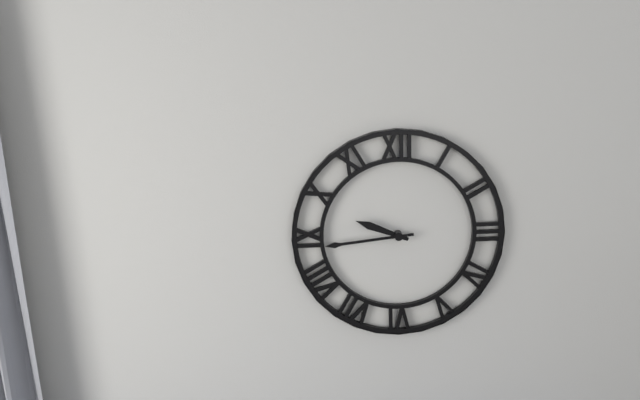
9:44
